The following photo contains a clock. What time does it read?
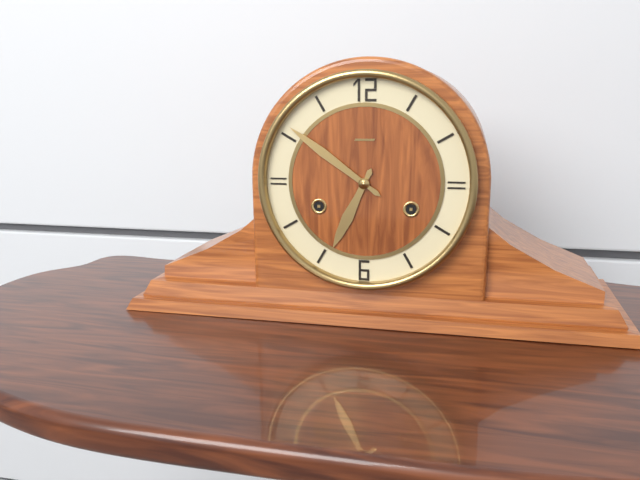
6:51
